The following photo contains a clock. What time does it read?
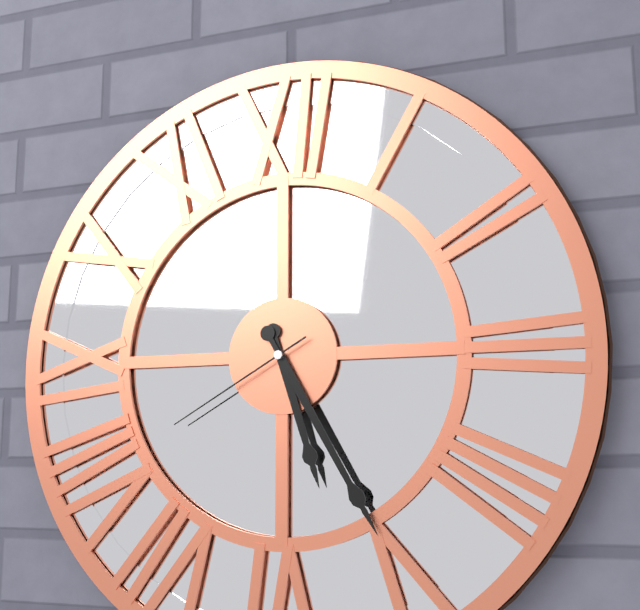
5:25:40
